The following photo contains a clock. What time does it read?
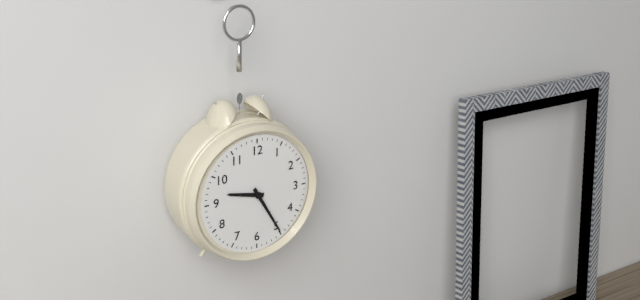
9:25
